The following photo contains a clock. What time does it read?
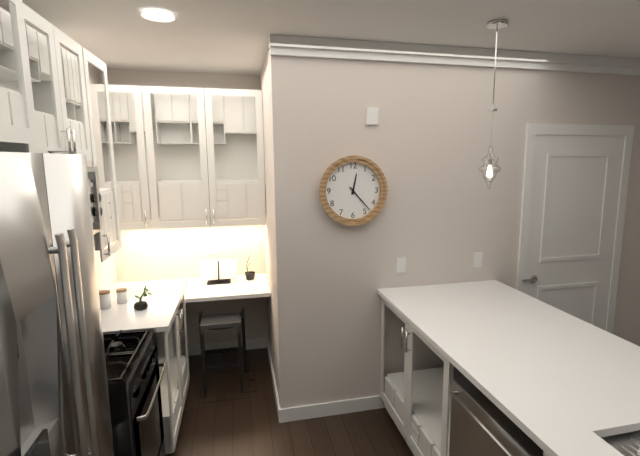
12:23
